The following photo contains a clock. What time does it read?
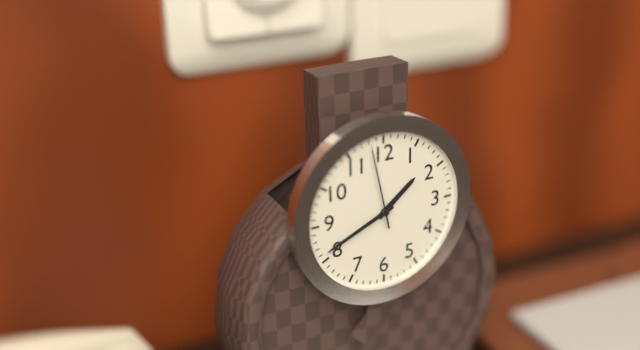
1:41:58
